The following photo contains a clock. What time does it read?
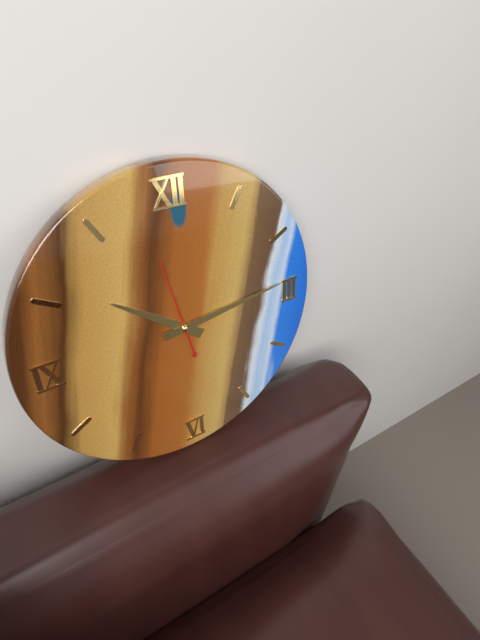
10:14:58
